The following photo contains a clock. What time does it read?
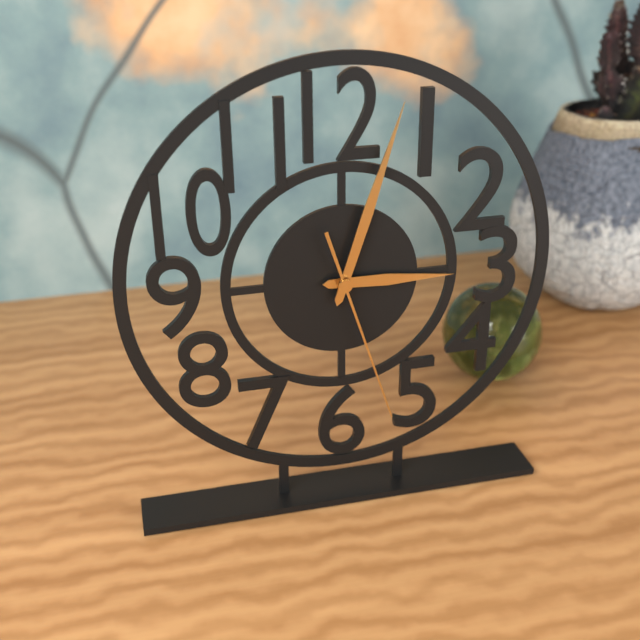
3:03:27
